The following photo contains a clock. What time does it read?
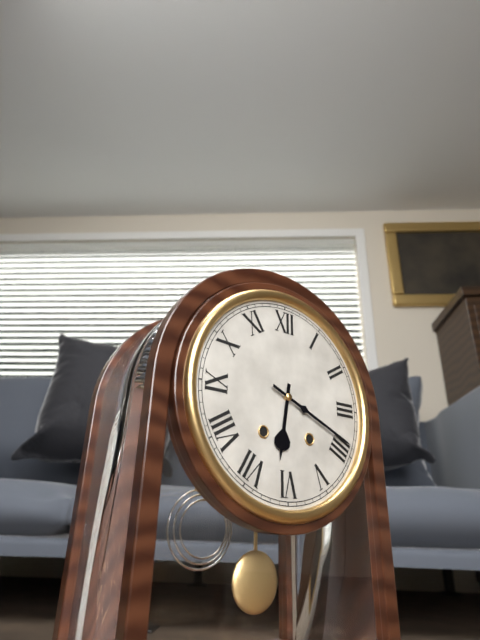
6:19
